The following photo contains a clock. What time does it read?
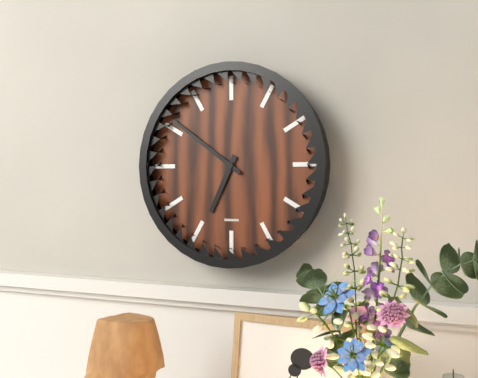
6:51
